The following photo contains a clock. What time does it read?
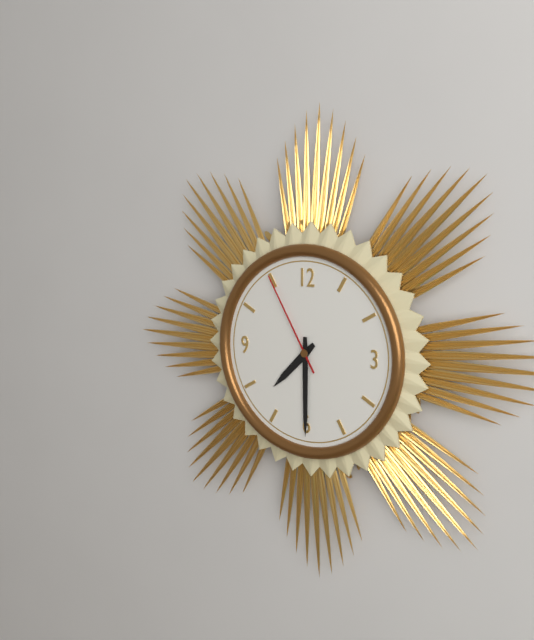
7:30:55
